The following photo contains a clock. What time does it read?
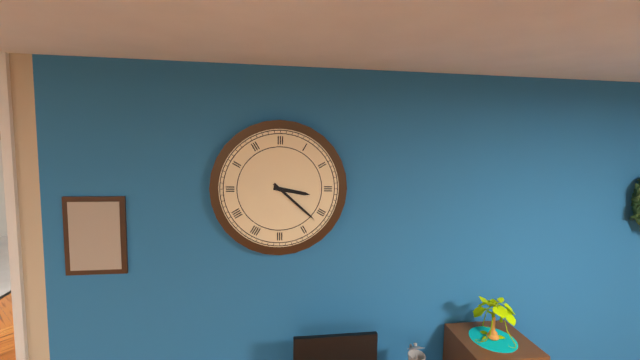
3:22
